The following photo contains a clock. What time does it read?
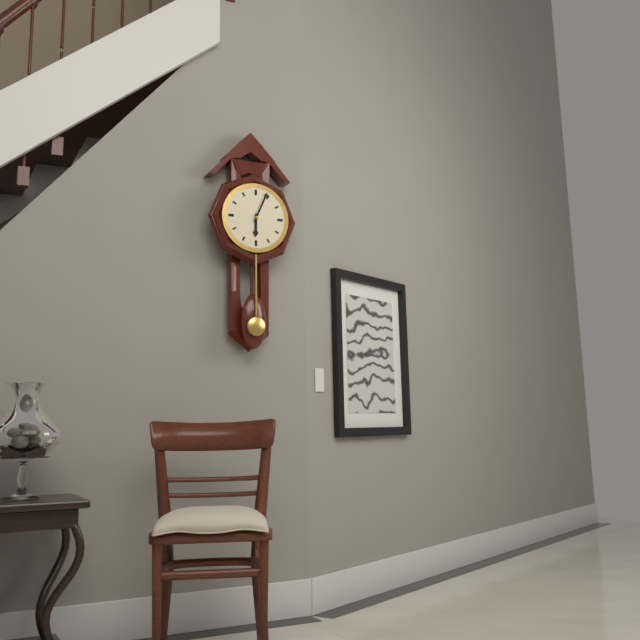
6:04
